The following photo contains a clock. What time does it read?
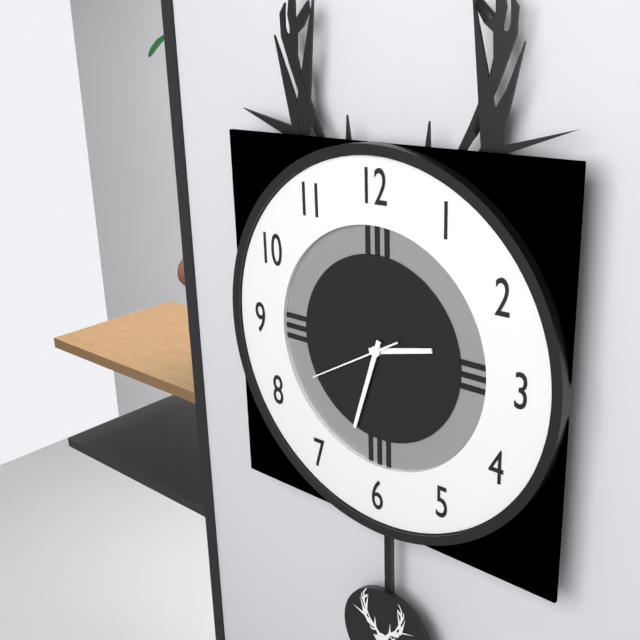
2:33:40
